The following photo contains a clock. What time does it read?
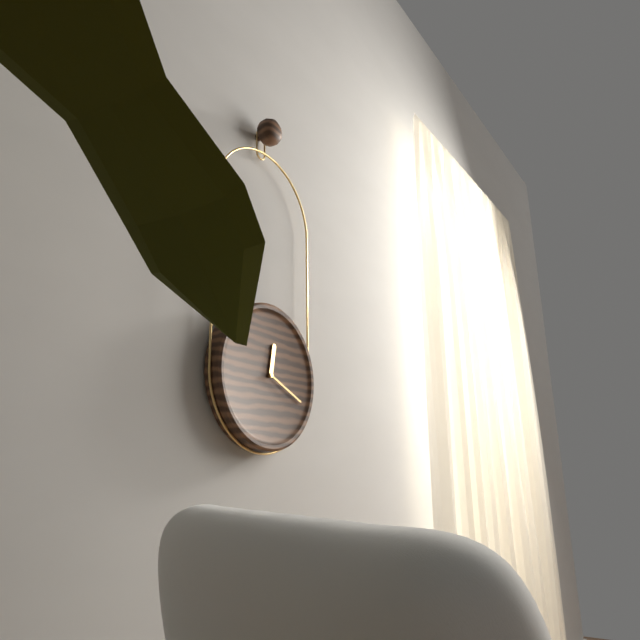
12:19
